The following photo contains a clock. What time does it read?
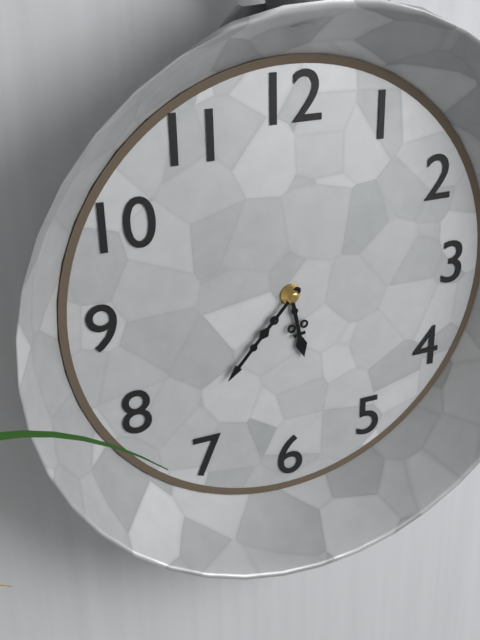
5:37
